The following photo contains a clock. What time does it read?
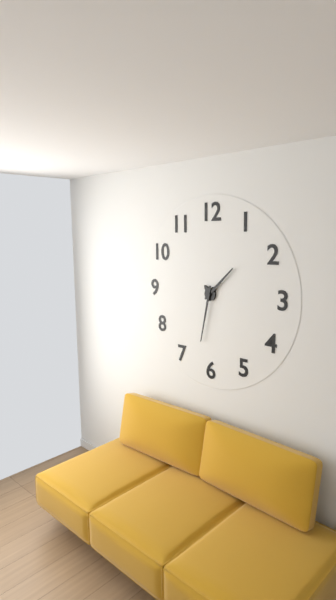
1:32
